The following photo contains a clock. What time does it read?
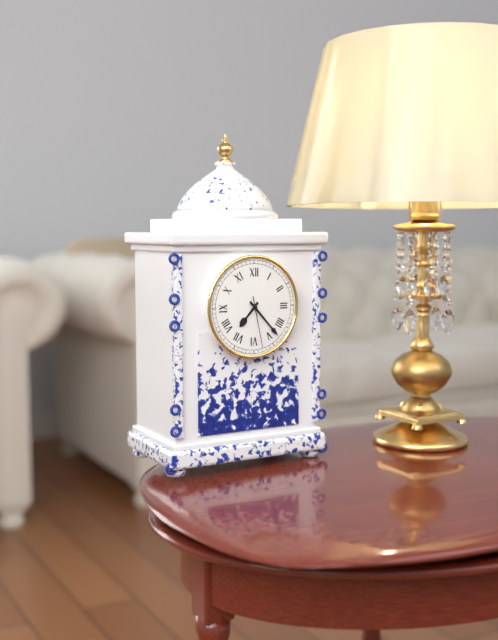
7:23:28
